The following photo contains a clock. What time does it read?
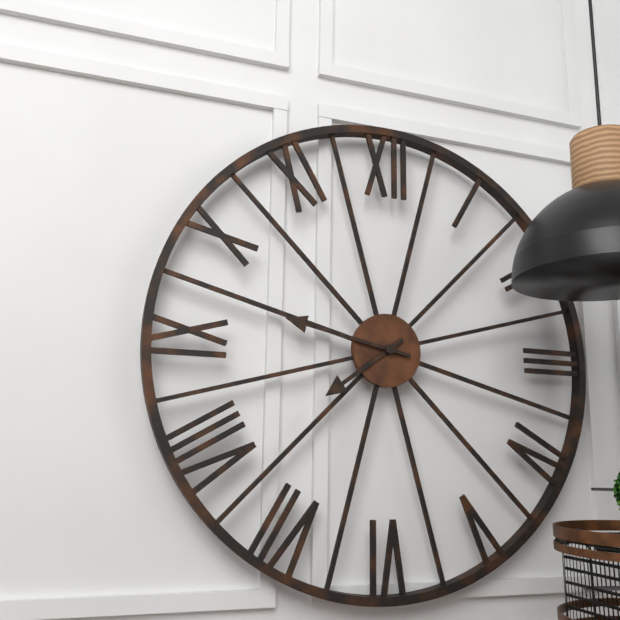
7:47
